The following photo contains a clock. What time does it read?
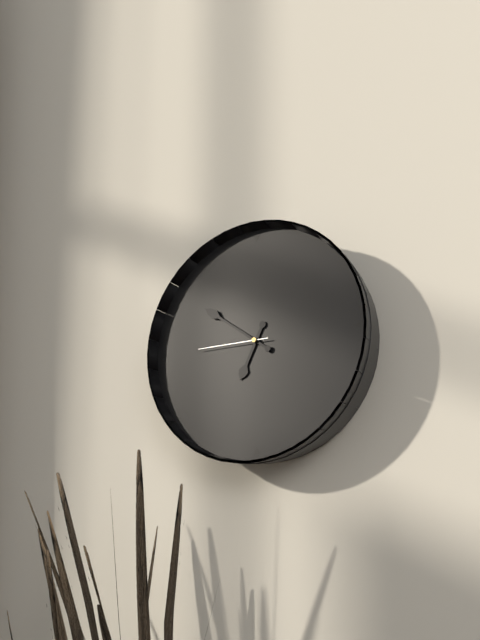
6:51:45
